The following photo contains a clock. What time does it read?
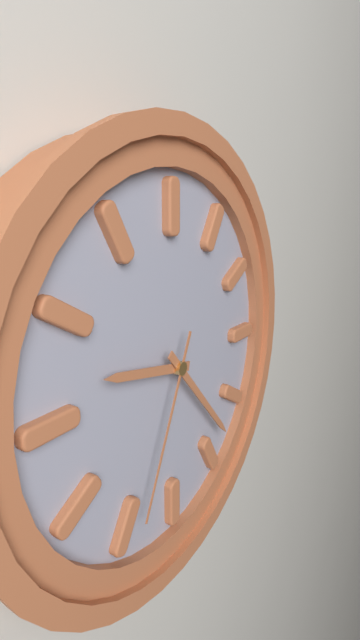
9:23:34
